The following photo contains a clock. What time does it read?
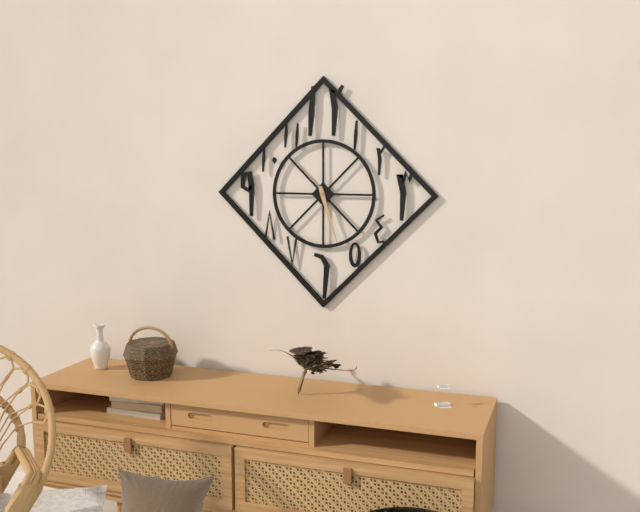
5:27
